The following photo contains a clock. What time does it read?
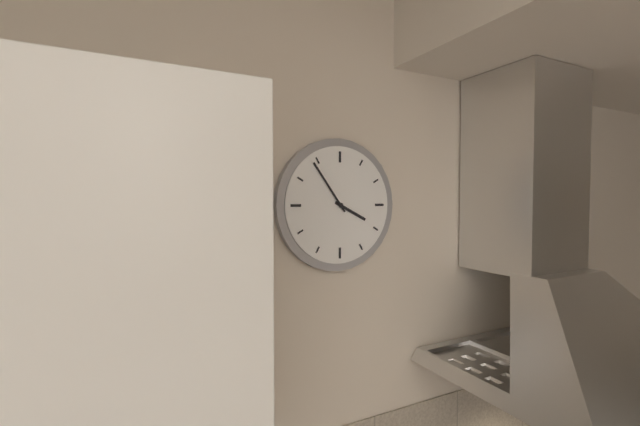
3:54
